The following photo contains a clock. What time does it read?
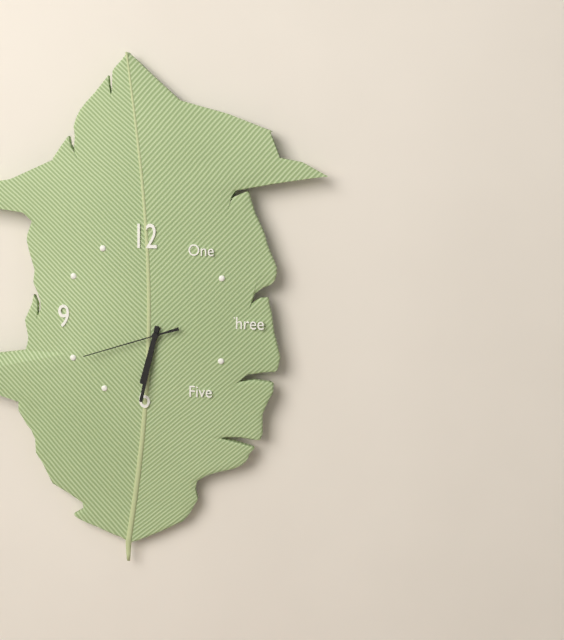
6:32:42
